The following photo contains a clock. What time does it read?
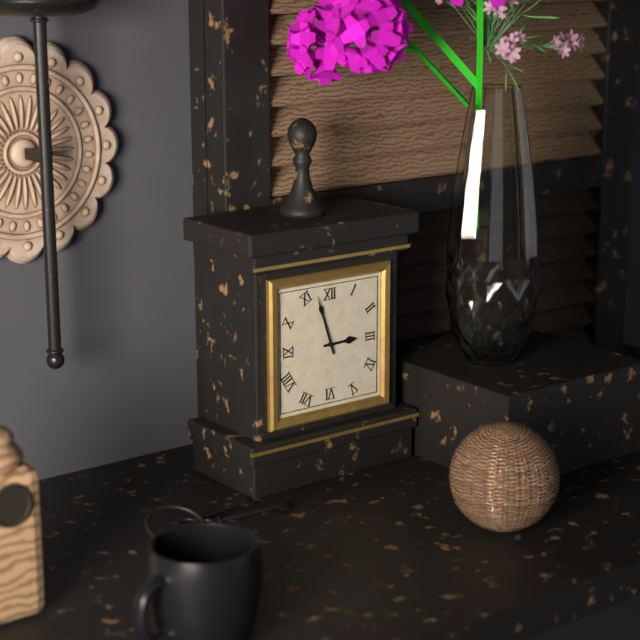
2:57
